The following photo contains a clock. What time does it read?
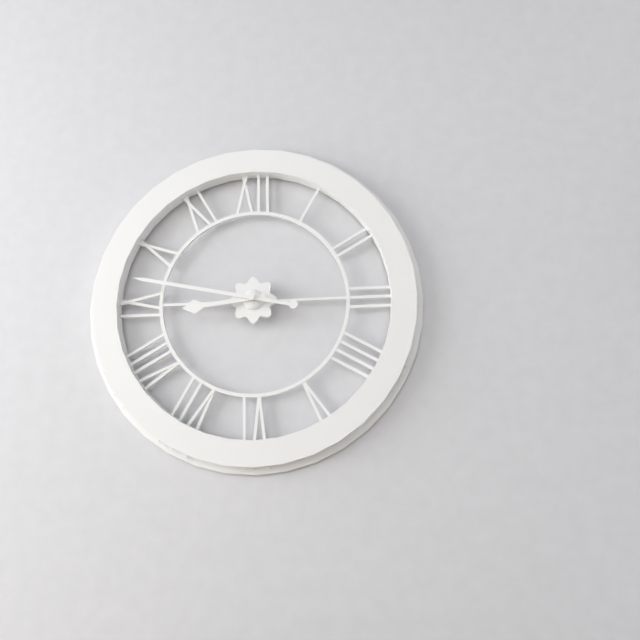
8:47
